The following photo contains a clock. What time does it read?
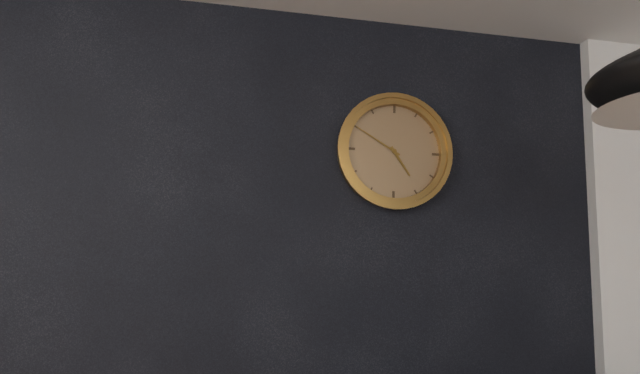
4:50
